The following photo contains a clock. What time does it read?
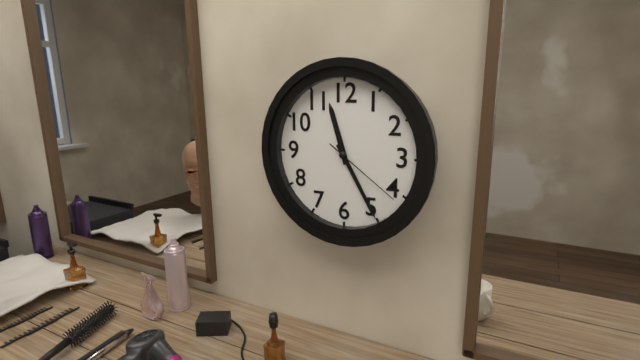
11:25:21
